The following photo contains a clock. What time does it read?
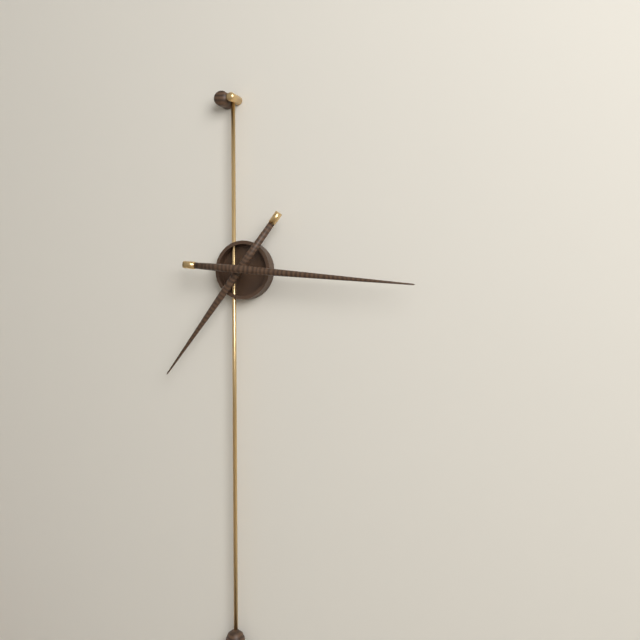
7:16
